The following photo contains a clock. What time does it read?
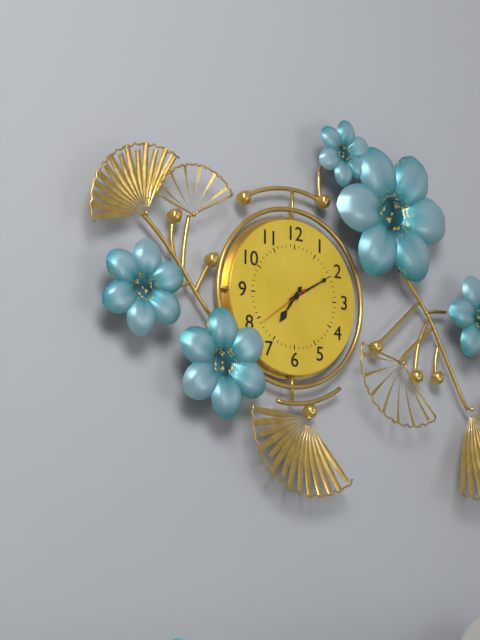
7:10
